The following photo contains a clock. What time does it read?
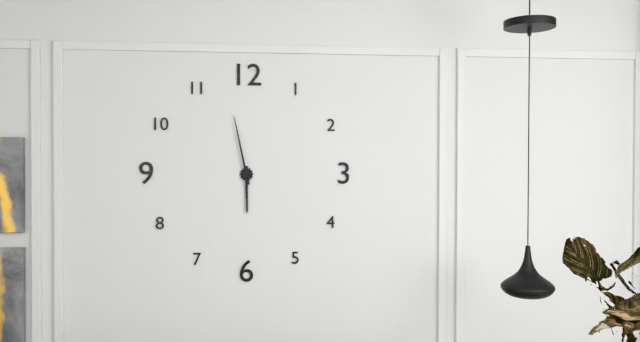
5:58
